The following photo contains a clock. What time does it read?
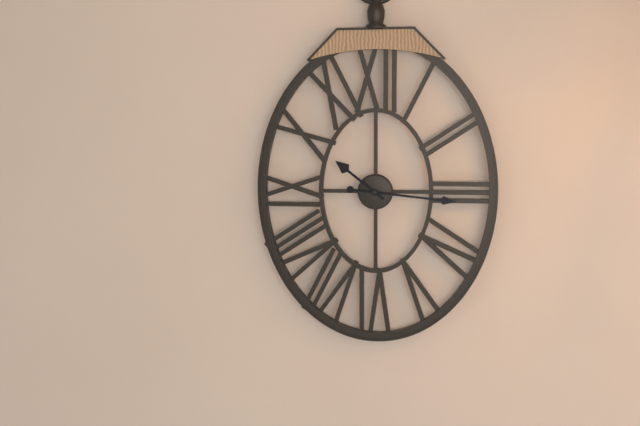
10:16
